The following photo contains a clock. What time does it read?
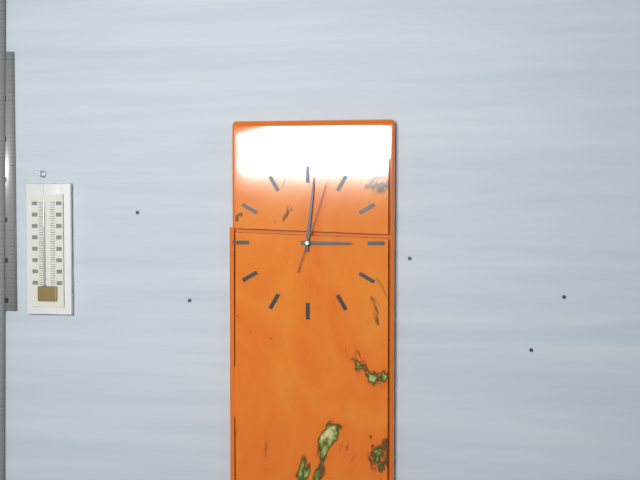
3:01:03
